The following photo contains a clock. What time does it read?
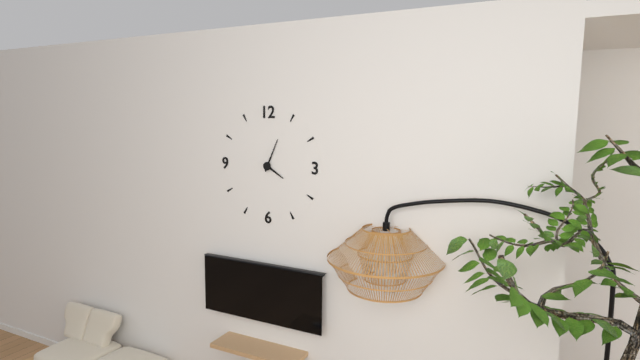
4:04
